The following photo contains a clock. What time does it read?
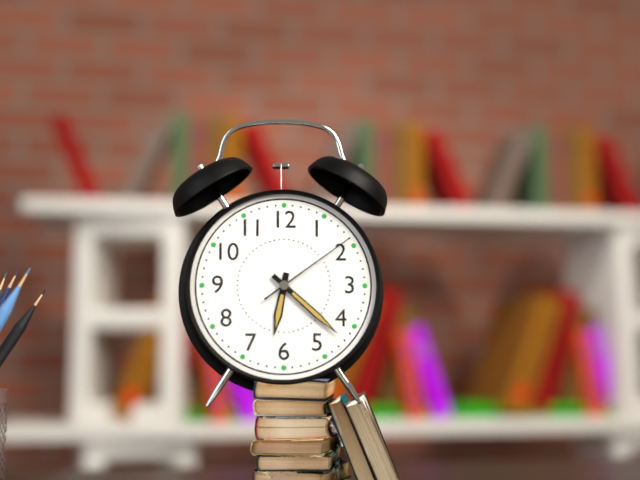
6:22:09
